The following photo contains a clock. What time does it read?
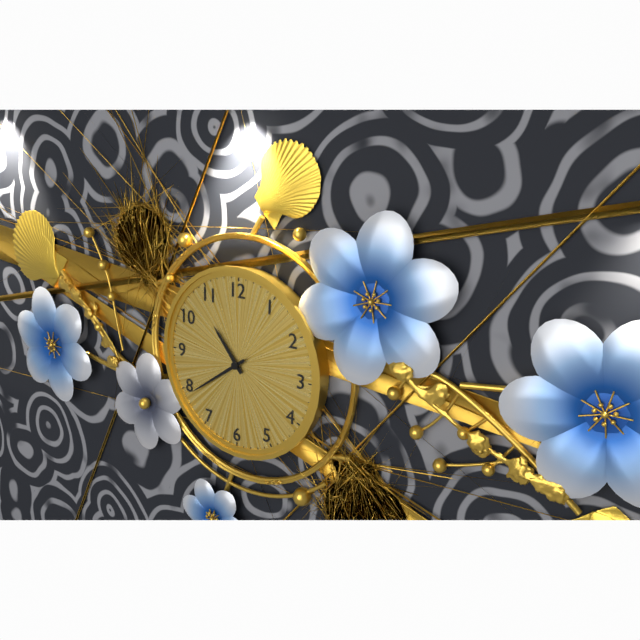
10:39
